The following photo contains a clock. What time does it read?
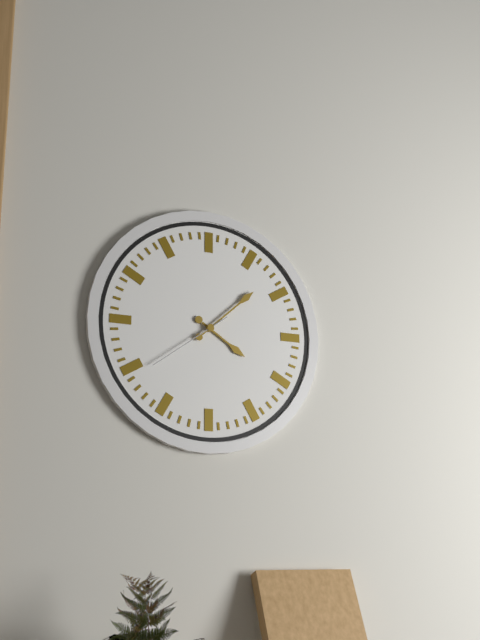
4:08:39
